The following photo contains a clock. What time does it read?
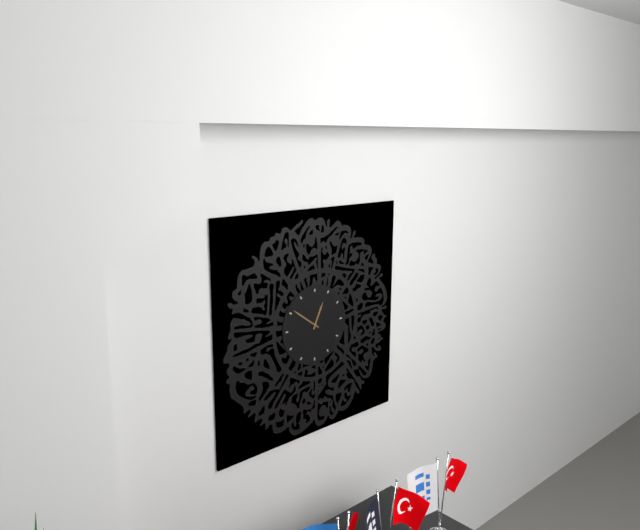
12:51
